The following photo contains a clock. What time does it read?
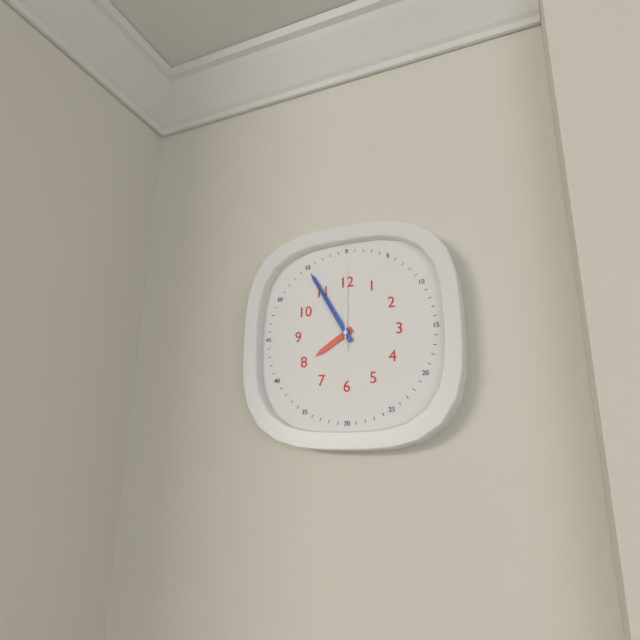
7:55:00
